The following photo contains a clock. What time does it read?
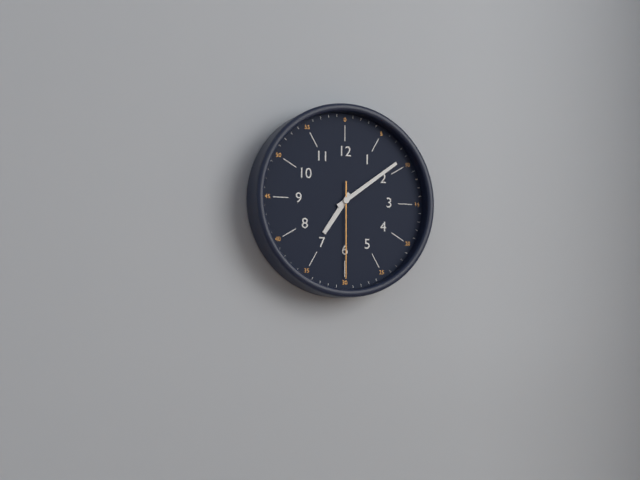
7:09:30
